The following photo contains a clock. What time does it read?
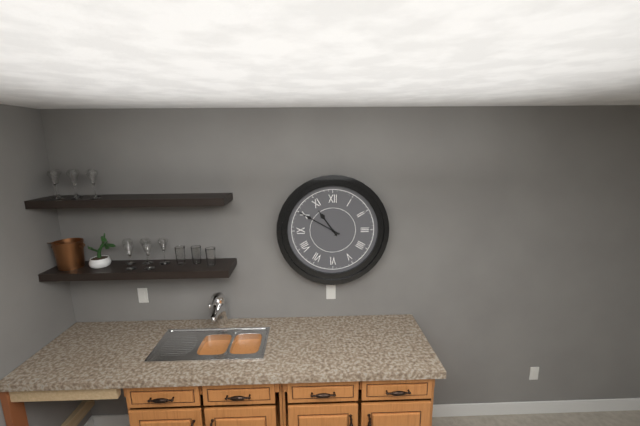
10:50
